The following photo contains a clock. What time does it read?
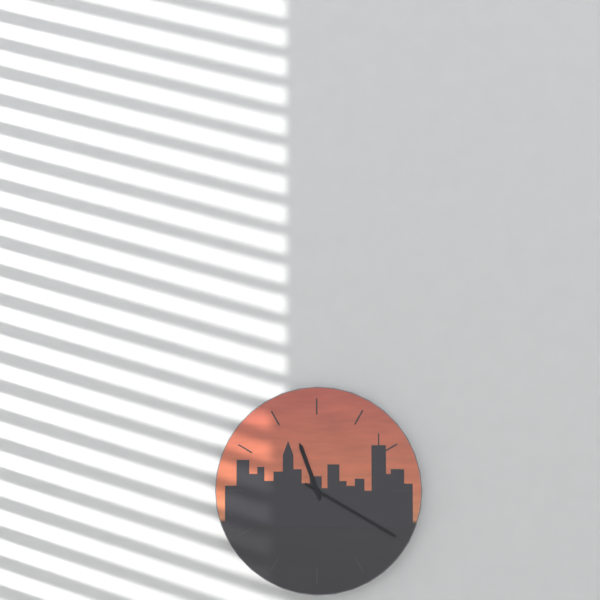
11:20
